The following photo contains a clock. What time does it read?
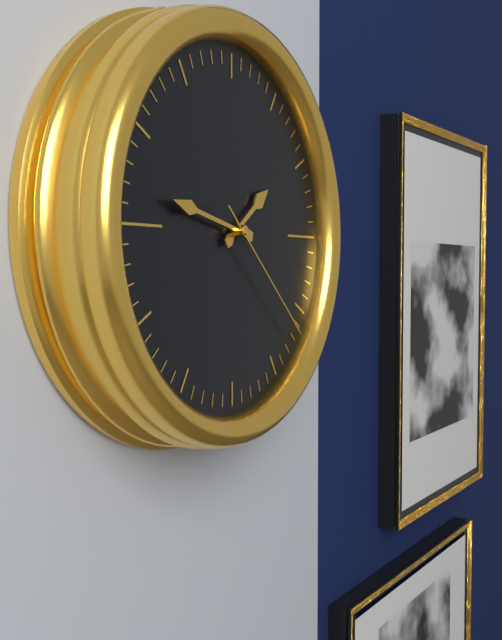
1:47:22
